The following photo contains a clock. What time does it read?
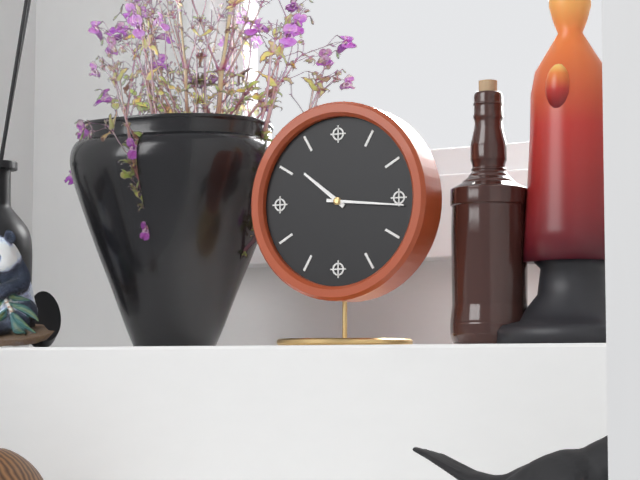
10:16
